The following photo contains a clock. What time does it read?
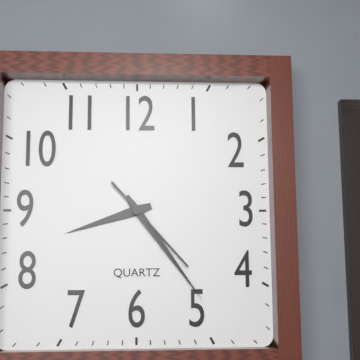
8:24:23
